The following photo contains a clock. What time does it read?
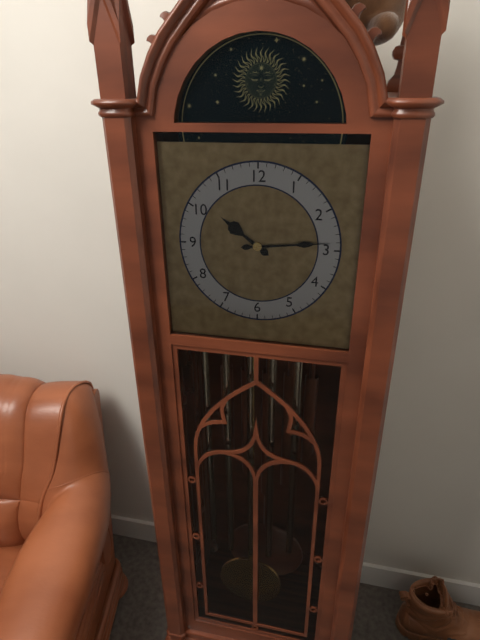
10:14
